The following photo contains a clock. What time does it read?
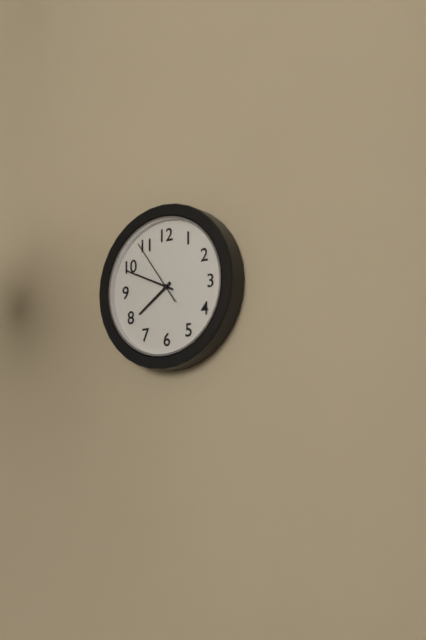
7:49:54
